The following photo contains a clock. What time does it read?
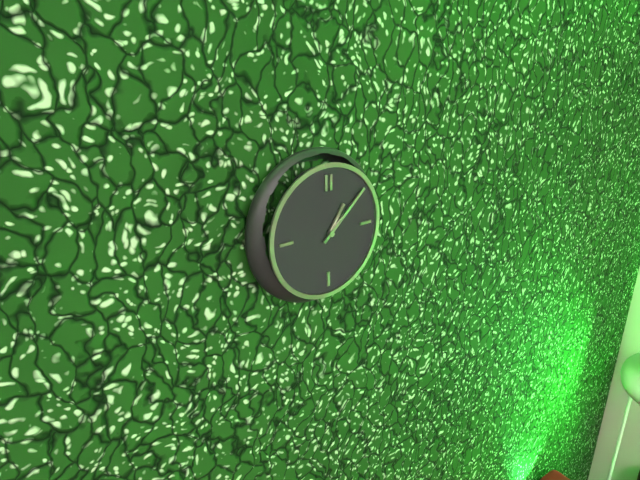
1:08
